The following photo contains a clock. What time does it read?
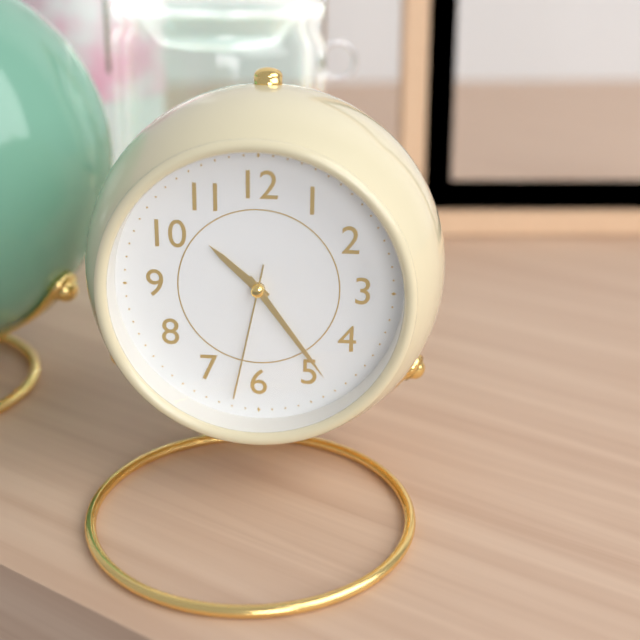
10:24:32
